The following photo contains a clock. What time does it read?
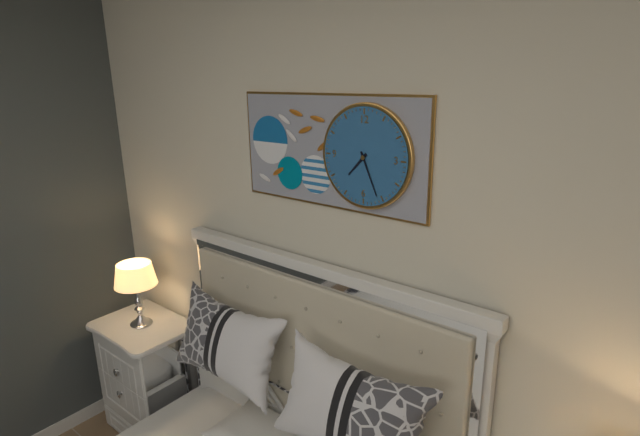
7:26
